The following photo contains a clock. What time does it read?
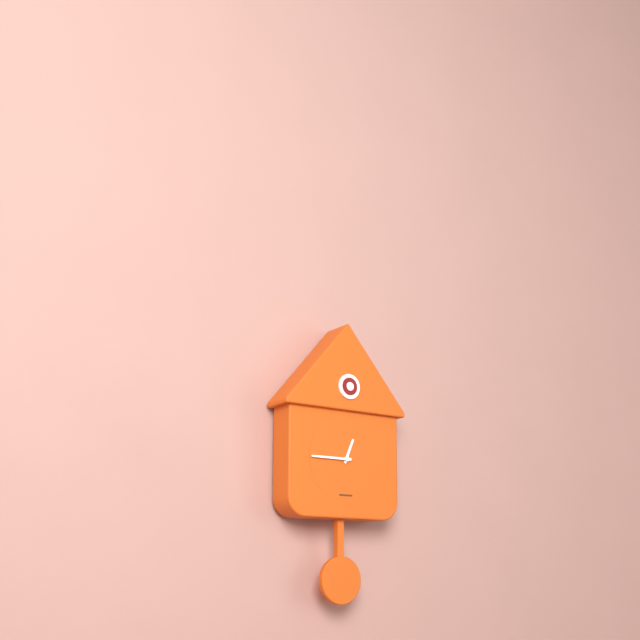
12:45
